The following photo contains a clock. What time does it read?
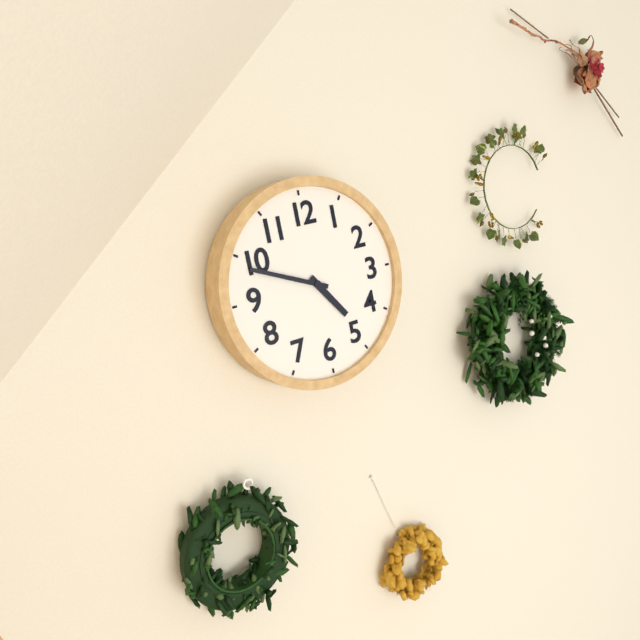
4:49
